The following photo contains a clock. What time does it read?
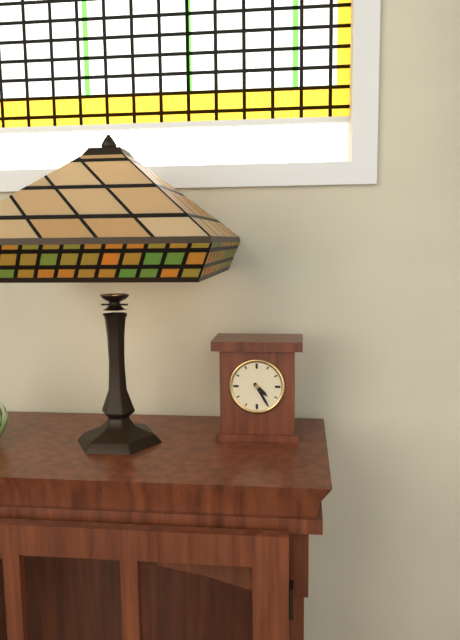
4:25
